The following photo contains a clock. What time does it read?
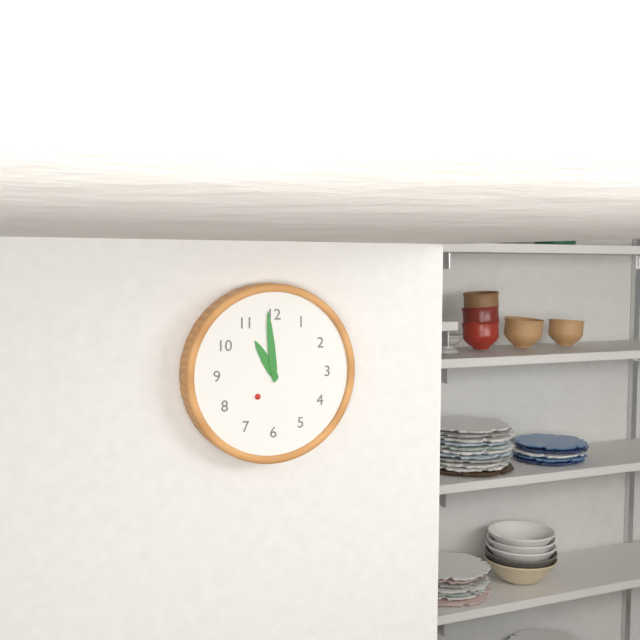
10:59
